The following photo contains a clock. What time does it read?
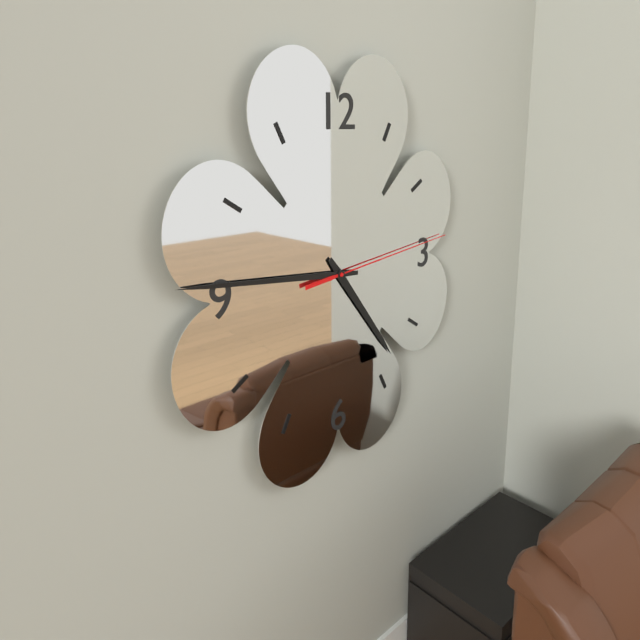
4:46:14
